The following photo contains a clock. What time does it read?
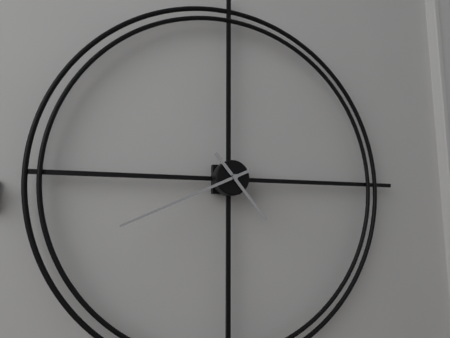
4:41
